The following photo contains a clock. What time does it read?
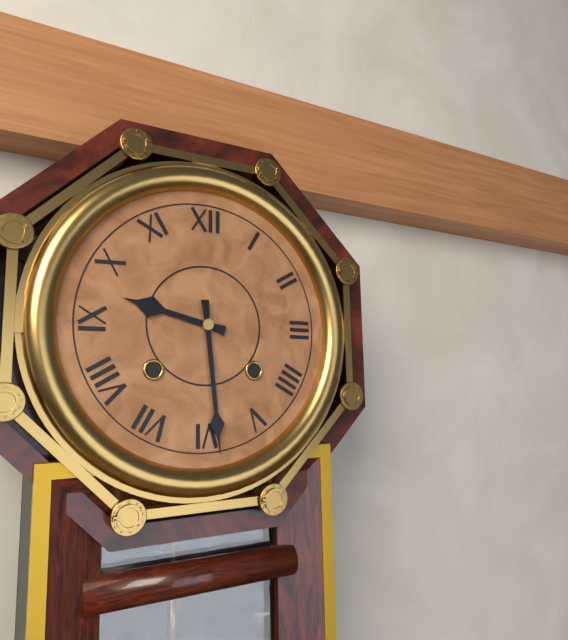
9:29
